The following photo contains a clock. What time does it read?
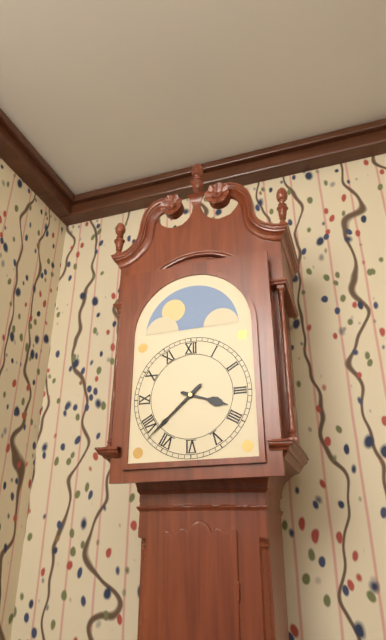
3:38
